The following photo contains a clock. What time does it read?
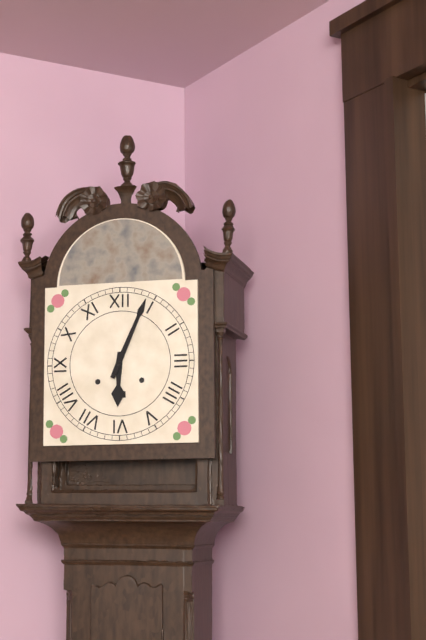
6:04
